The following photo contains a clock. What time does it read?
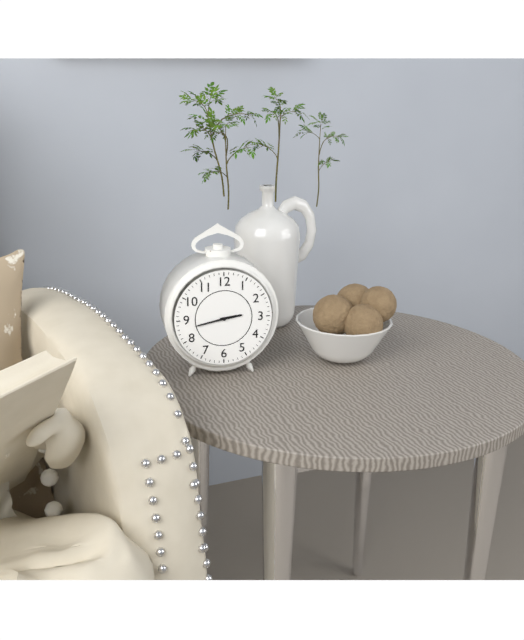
2:43
